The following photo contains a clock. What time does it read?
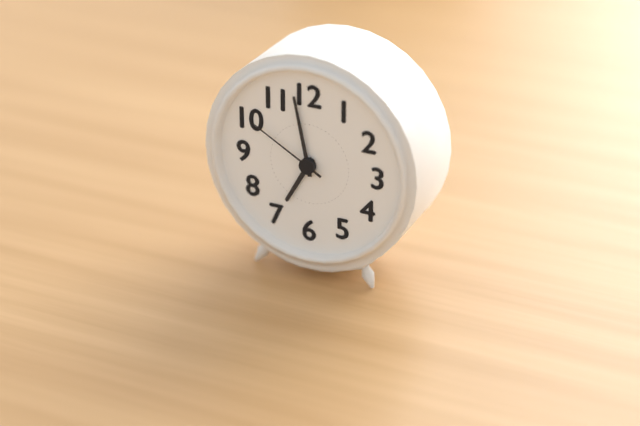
6:58:50
